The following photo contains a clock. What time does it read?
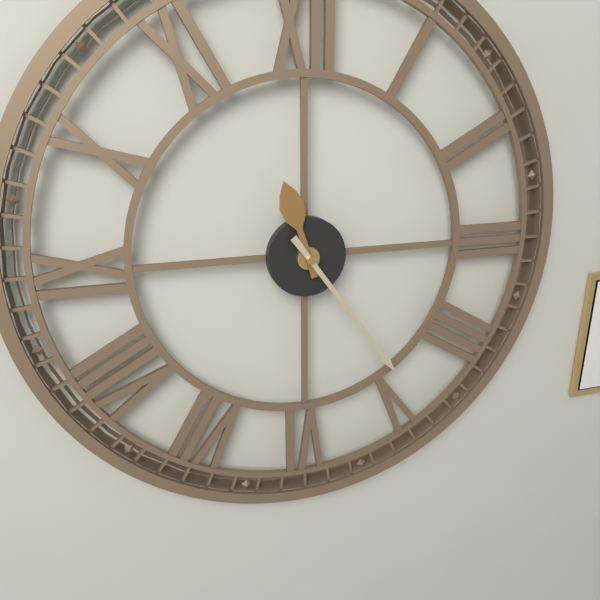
11:24
